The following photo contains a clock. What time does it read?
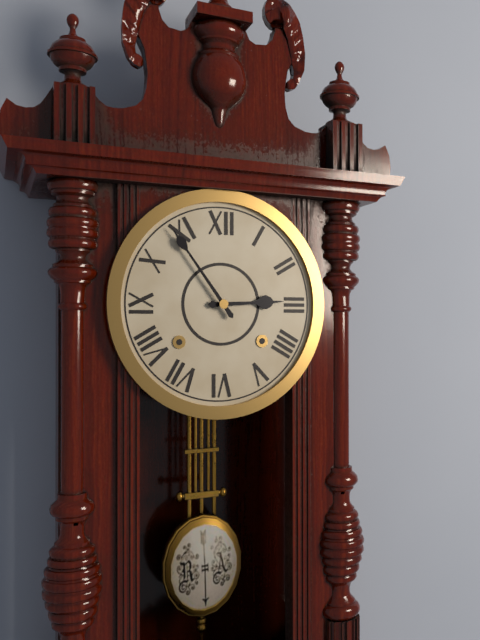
2:54
